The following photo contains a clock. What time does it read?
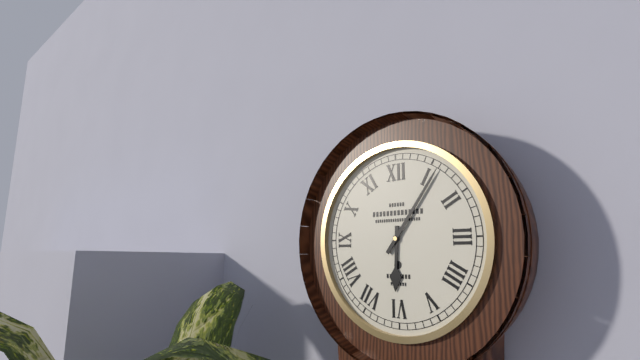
6:06
